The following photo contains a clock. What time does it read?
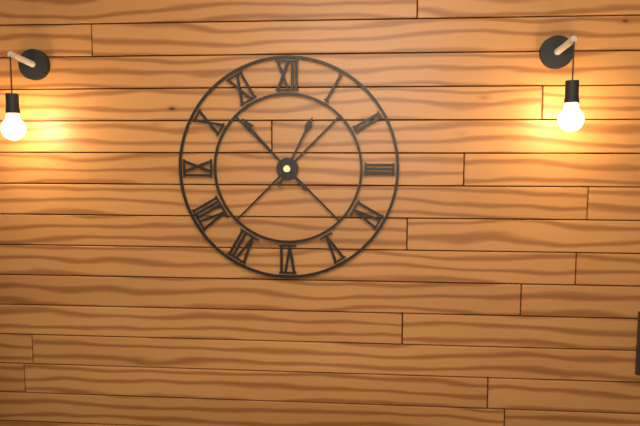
12:53
